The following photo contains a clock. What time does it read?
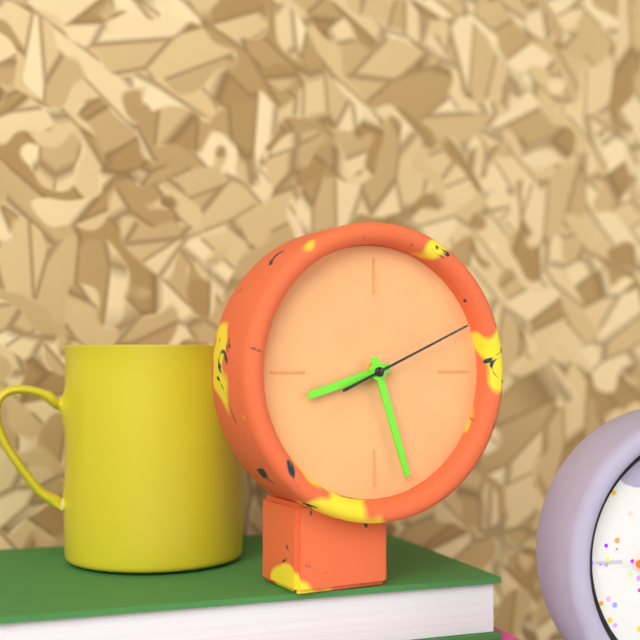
8:27:11
